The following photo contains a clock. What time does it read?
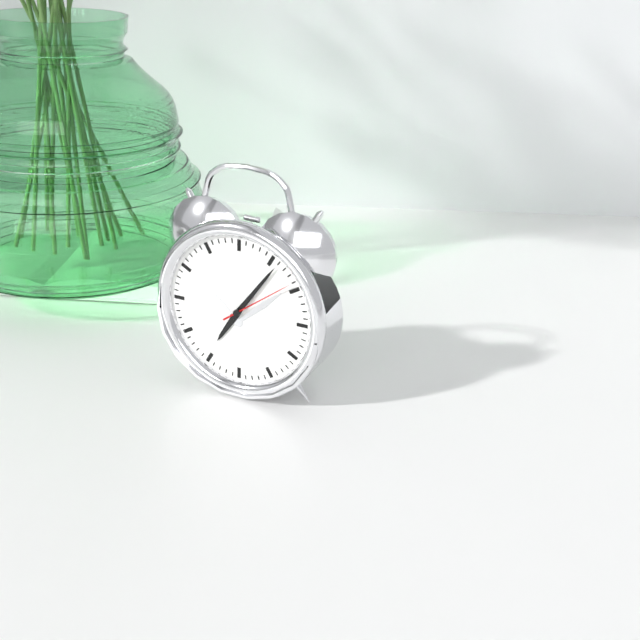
7:06:09
